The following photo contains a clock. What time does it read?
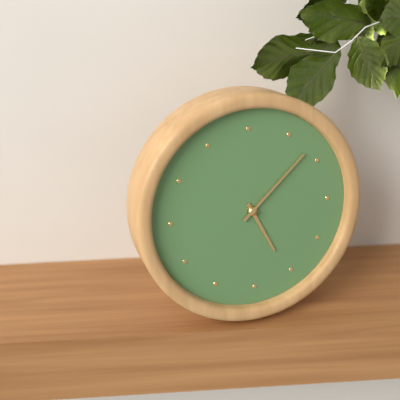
5:08
